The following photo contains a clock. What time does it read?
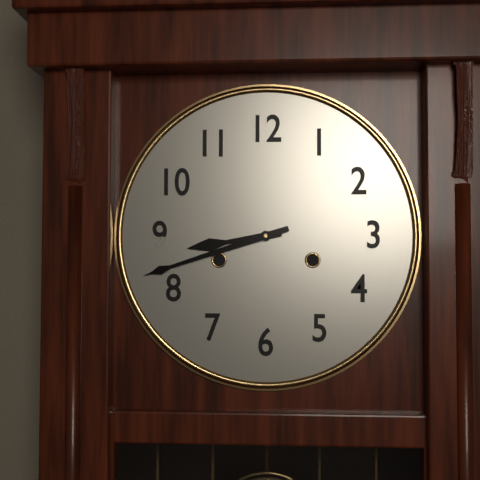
8:42
